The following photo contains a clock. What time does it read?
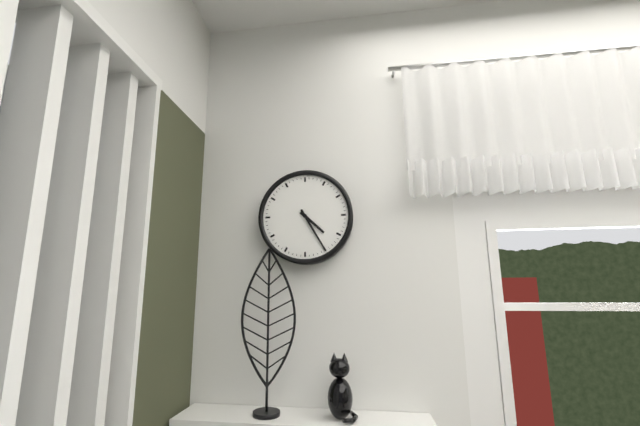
4:25
